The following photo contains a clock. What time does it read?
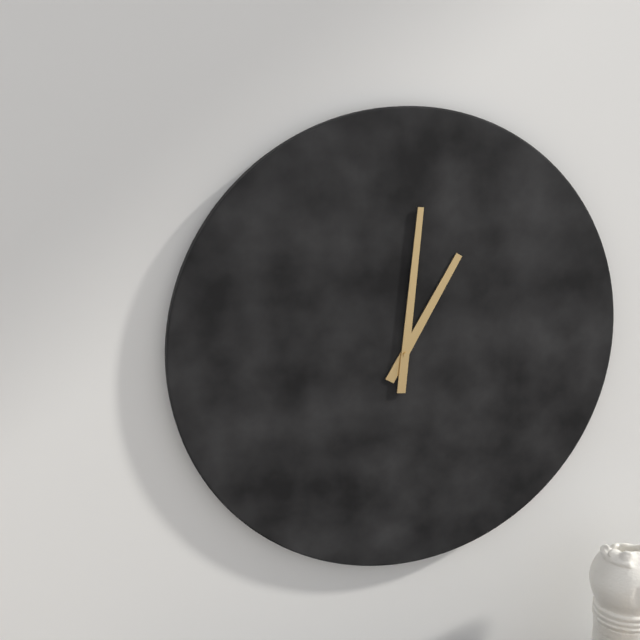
1:01
